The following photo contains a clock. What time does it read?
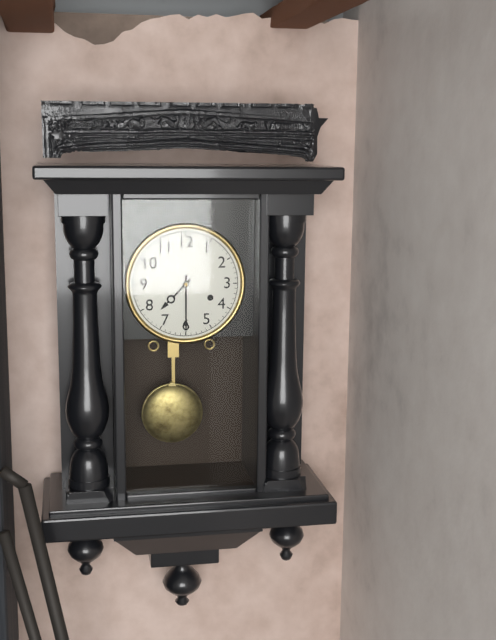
7:30
